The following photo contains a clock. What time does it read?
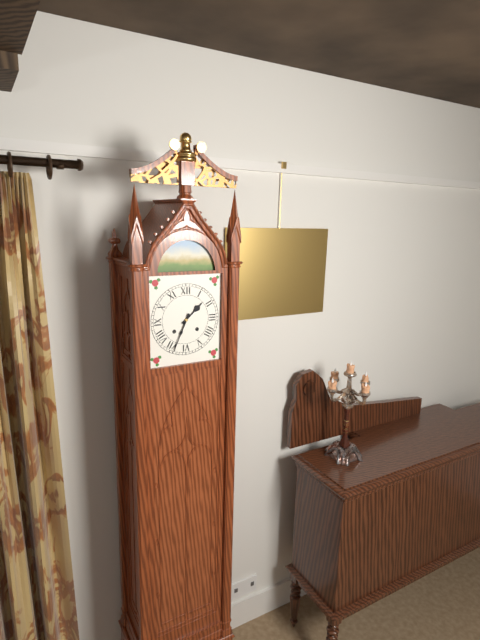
1:34
